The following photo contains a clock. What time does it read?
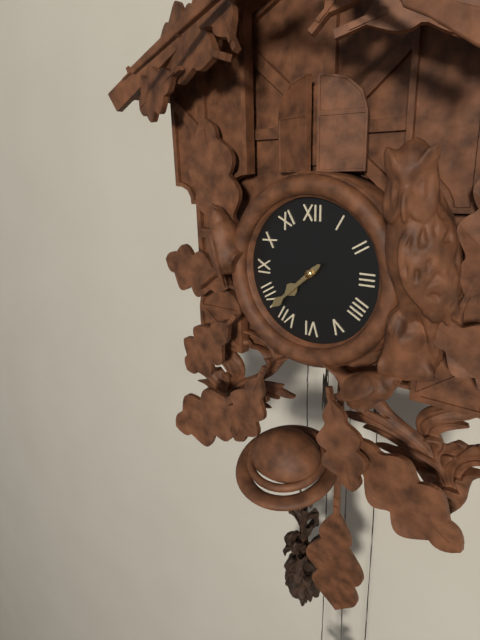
7:38
